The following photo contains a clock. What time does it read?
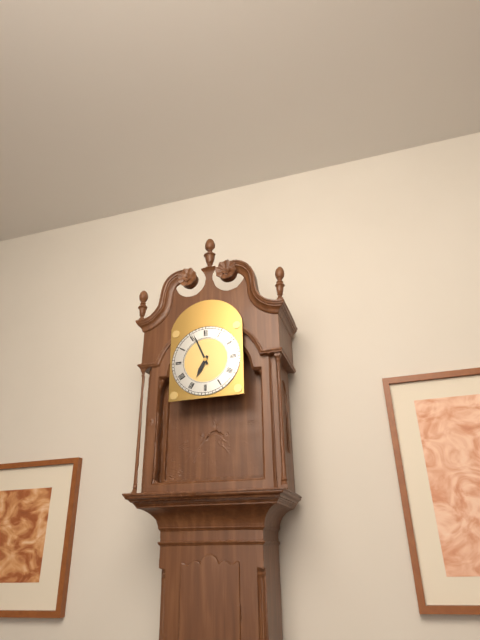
6:56
